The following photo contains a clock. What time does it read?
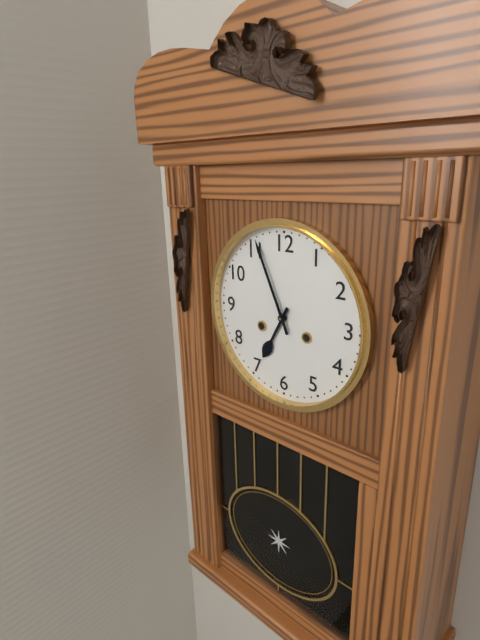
6:56
